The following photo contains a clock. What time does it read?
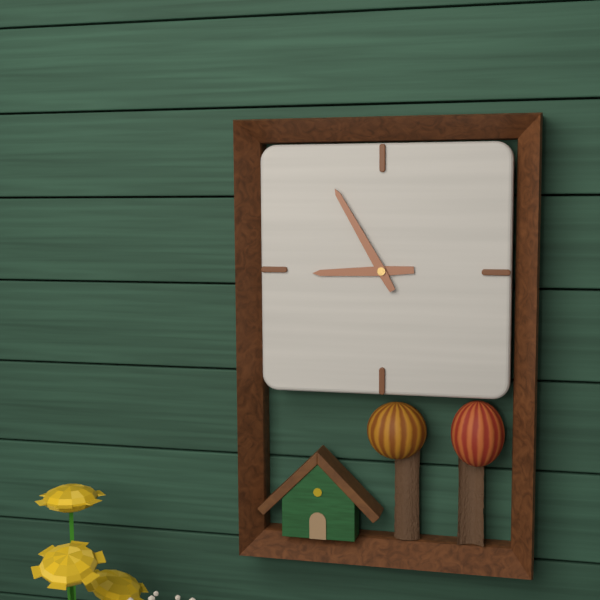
8:55
